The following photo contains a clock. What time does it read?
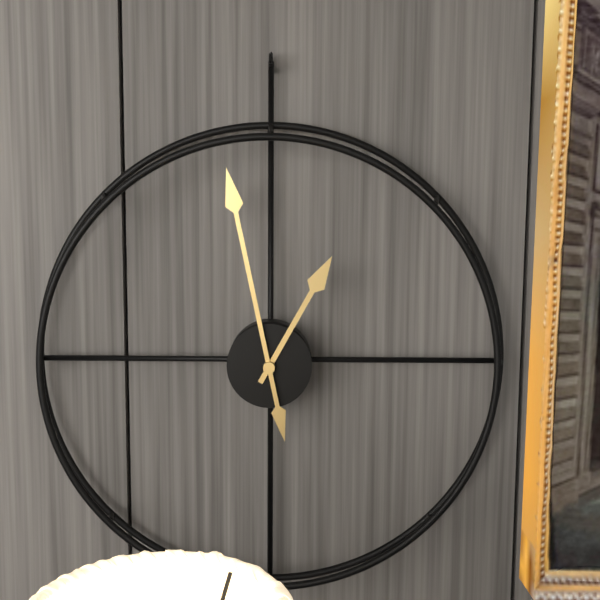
12:58
